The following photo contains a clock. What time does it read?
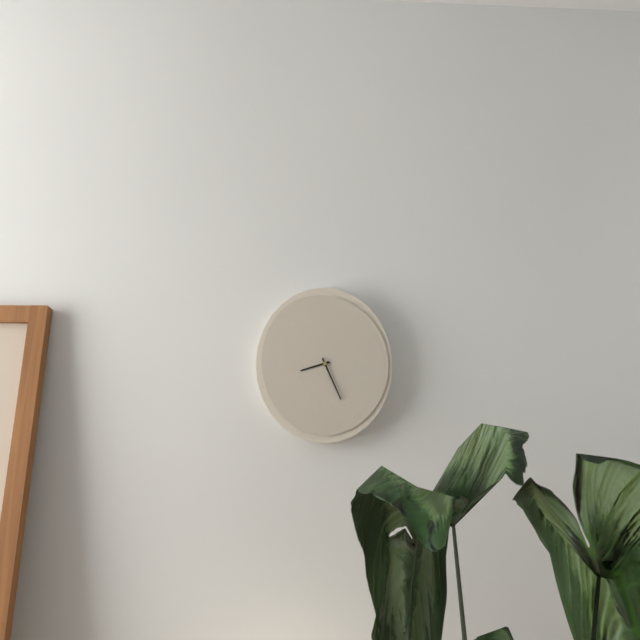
8:26
